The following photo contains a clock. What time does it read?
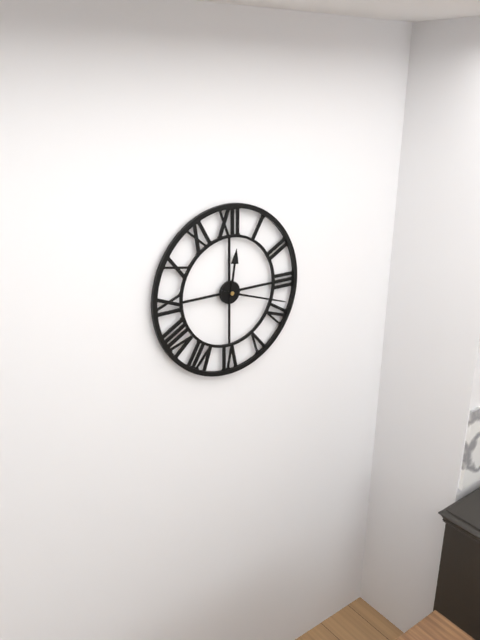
12:18
